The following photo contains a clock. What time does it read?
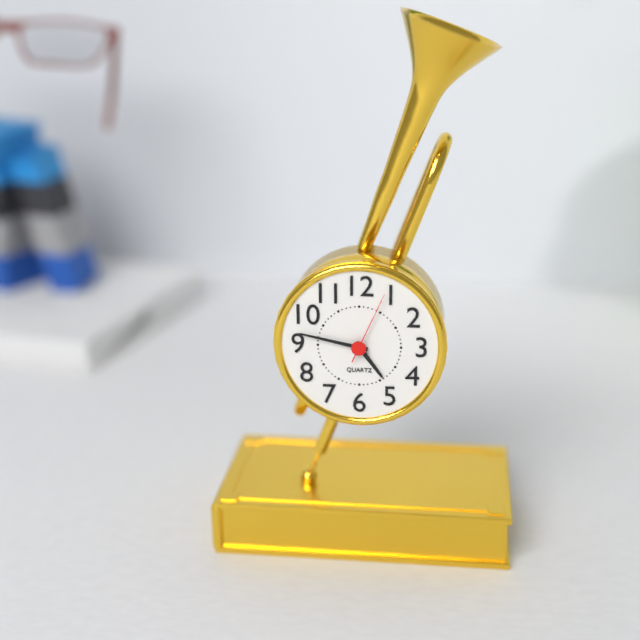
4:47:04
